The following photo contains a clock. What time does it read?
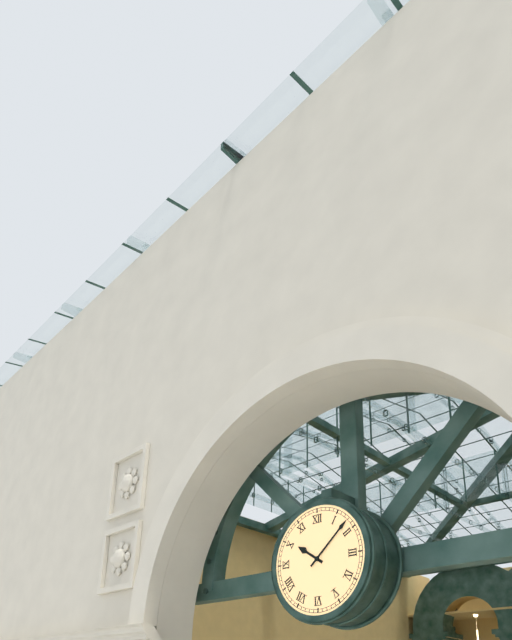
10:08
